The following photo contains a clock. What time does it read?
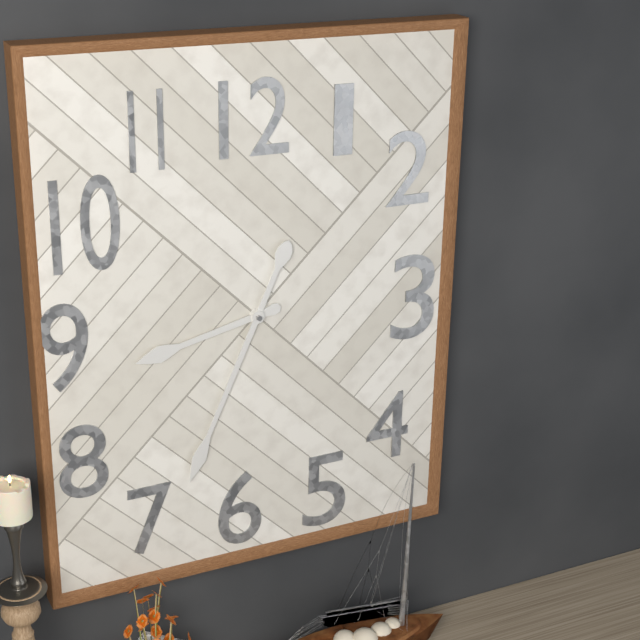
8:34
